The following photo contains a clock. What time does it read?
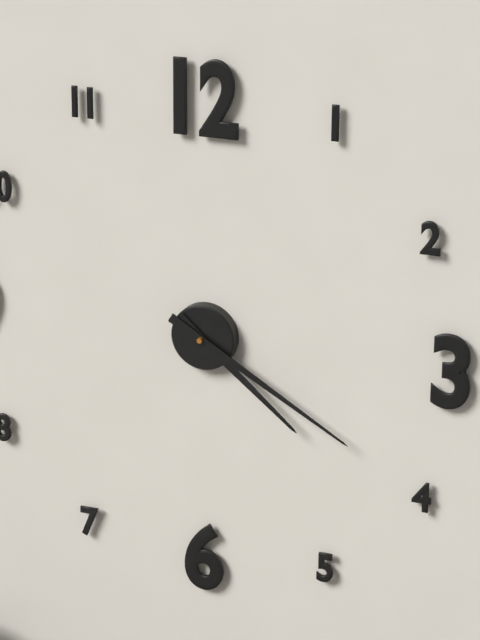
4:20
